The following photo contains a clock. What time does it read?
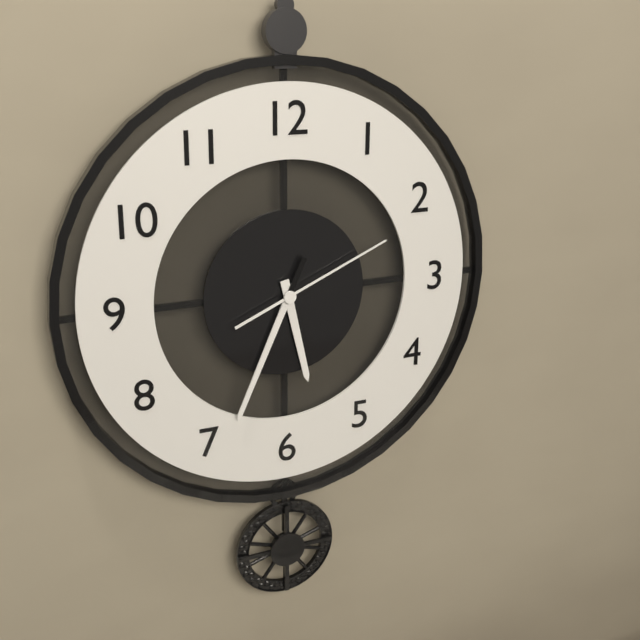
5:34:11
